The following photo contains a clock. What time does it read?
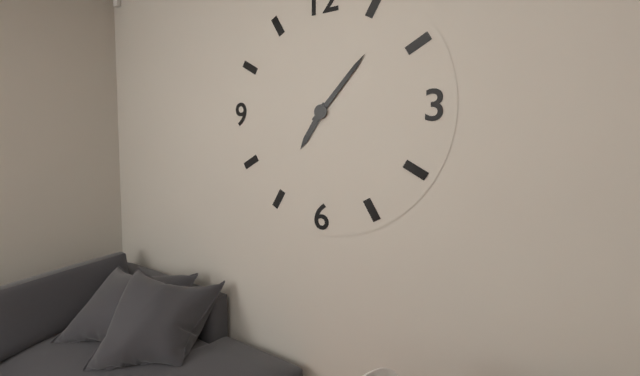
7:07
